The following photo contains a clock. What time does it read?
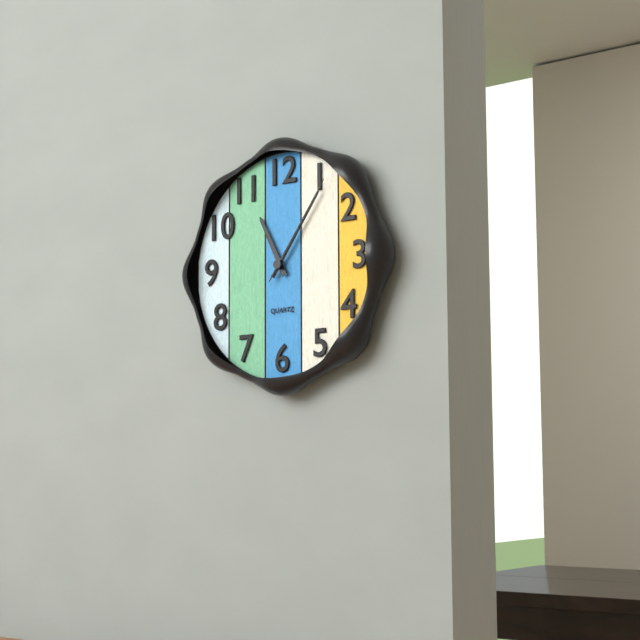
11:06:06
